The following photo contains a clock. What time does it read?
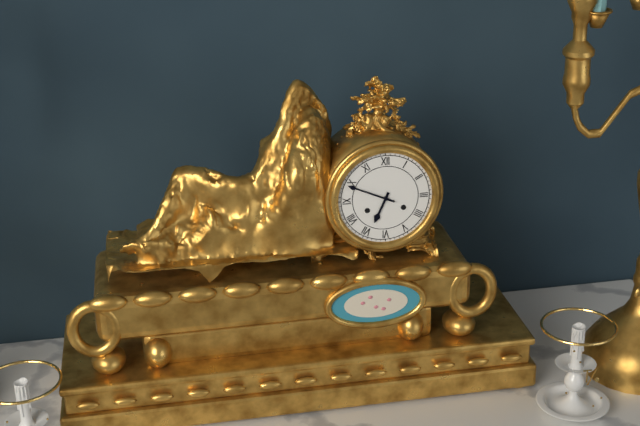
6:49
